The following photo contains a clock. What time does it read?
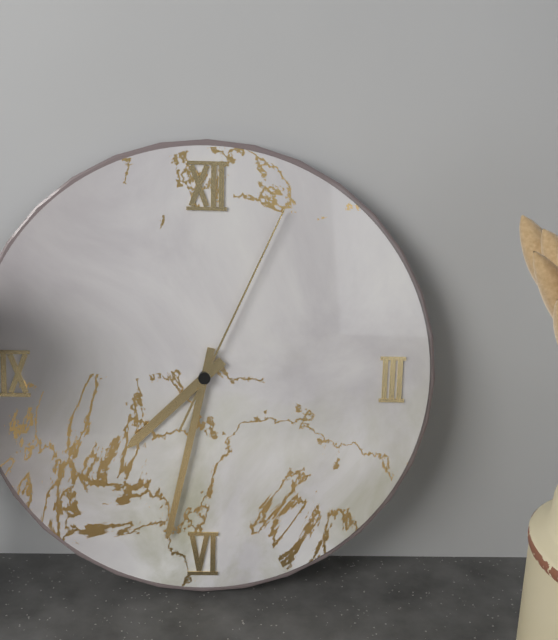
7:32:04
